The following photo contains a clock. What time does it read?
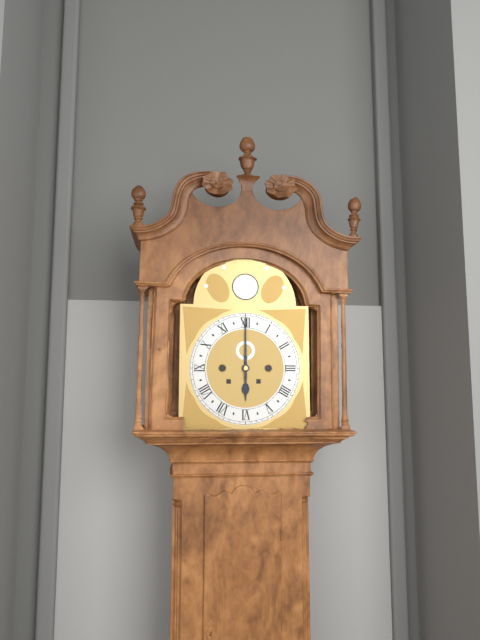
6:00
